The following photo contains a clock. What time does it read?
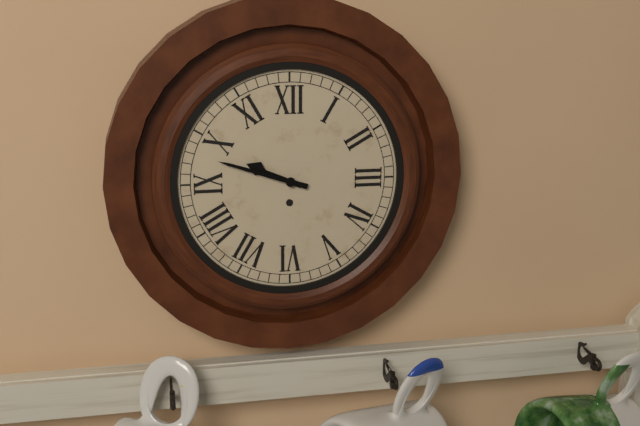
9:48
